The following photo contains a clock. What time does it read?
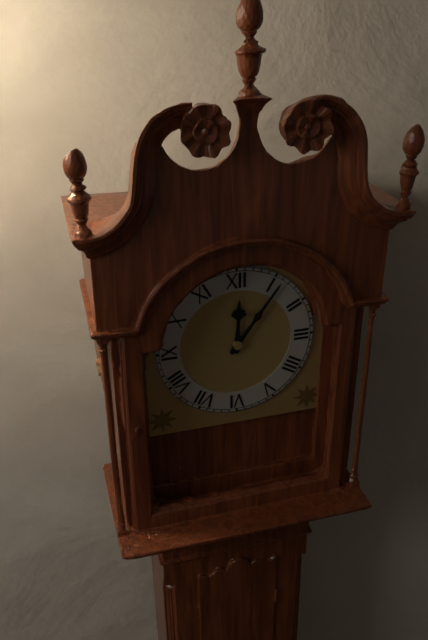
12:06
